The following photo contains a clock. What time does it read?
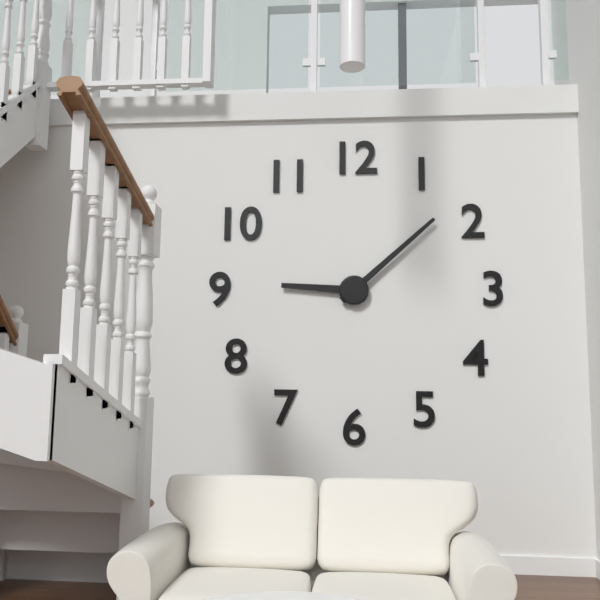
9:08
